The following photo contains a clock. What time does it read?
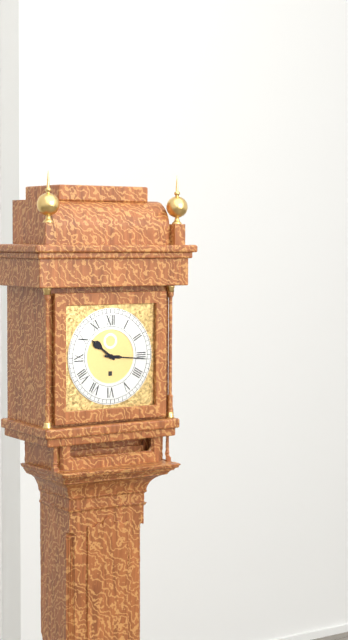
10:16
